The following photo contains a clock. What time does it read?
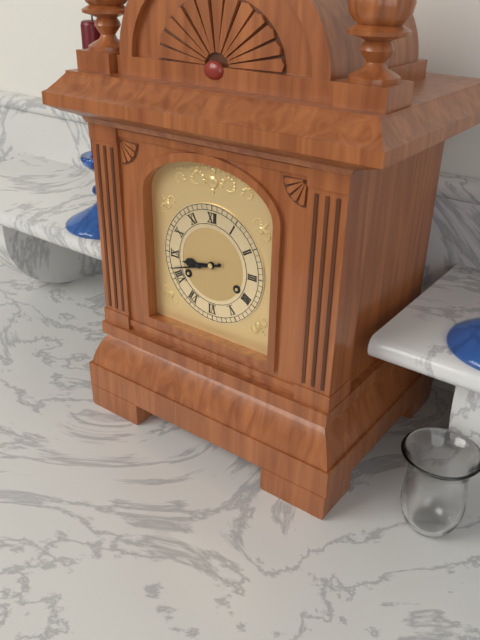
8:42
